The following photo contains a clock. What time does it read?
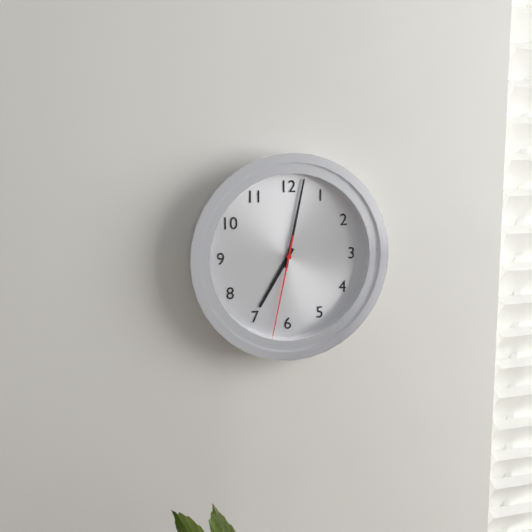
7:02:32
